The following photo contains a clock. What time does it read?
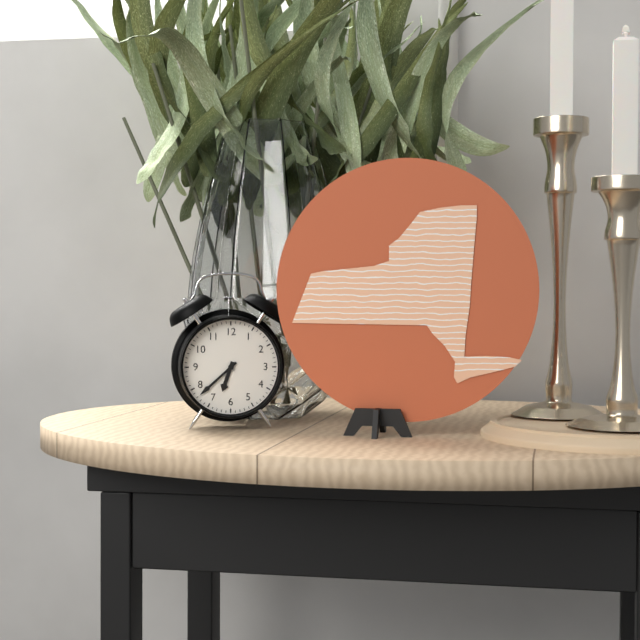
6:38
